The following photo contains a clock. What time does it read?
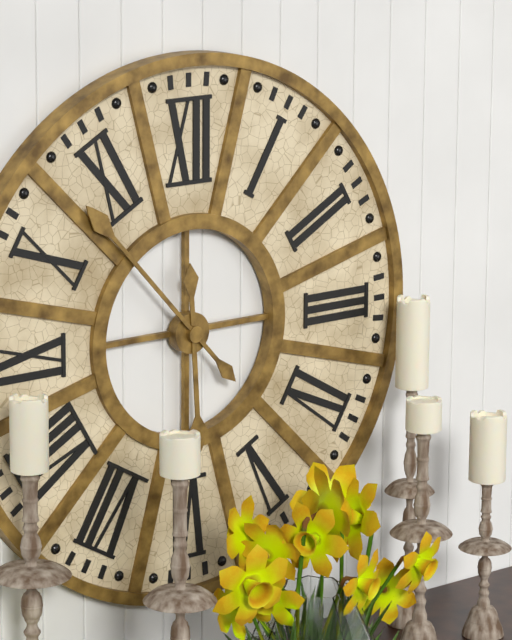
5:53
